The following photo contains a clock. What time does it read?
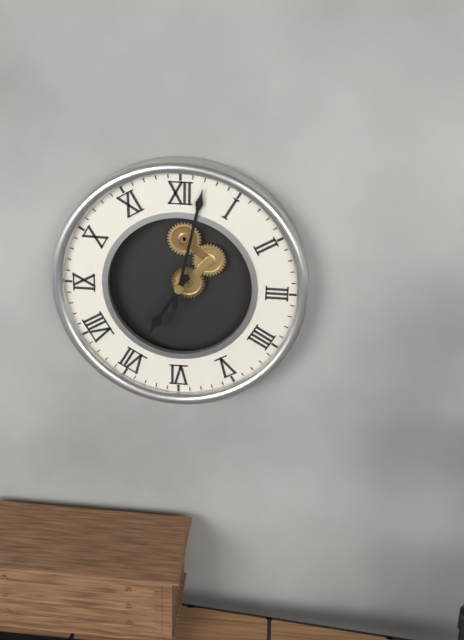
7:02
